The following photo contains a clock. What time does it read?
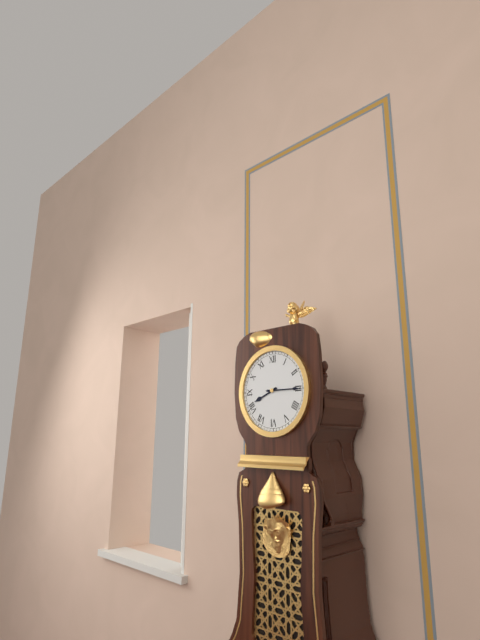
8:15
